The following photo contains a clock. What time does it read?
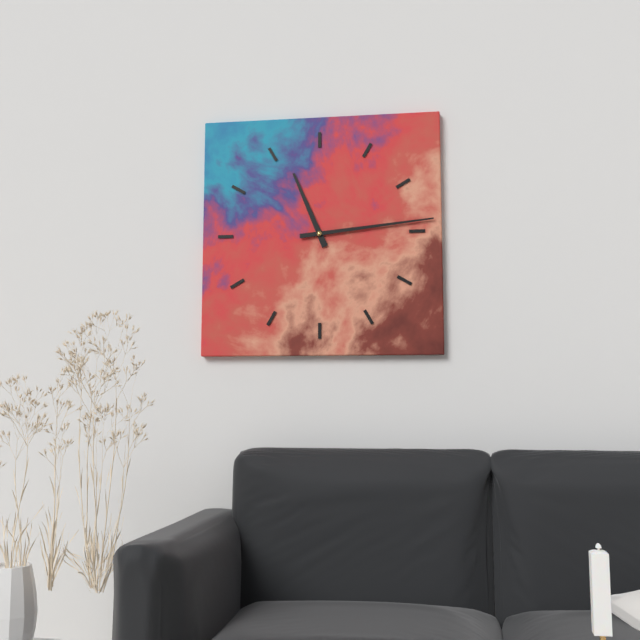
11:14
